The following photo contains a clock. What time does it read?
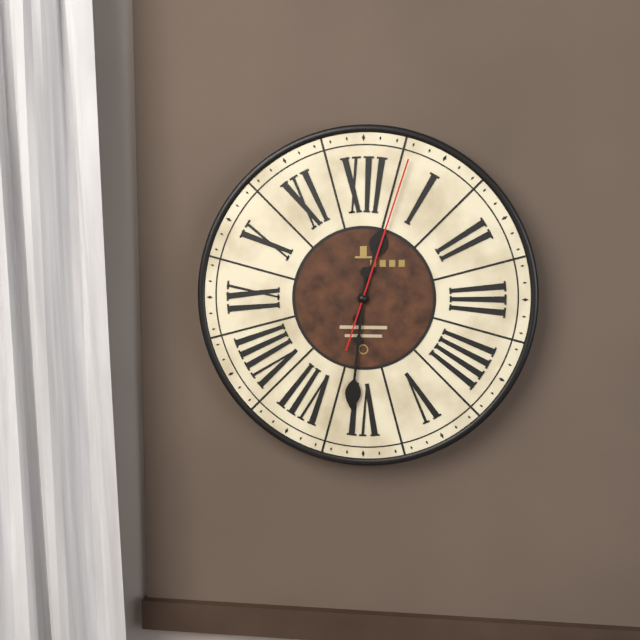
12:31:03
